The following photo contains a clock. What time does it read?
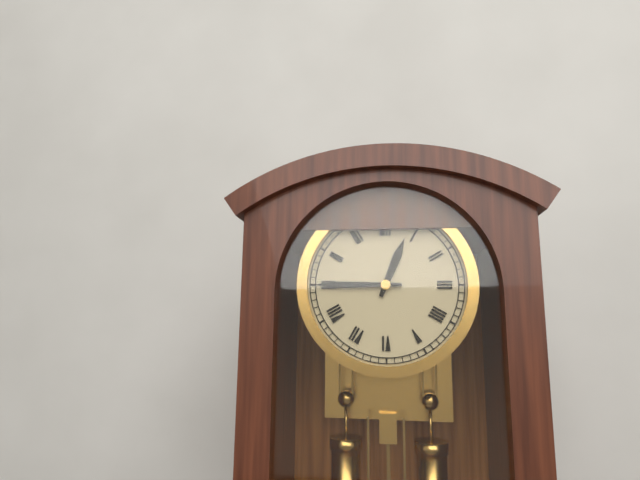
12:45
